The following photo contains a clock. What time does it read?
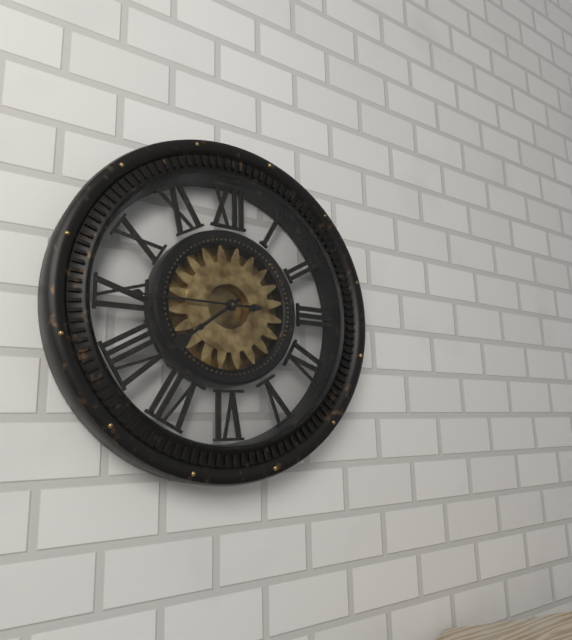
7:45
